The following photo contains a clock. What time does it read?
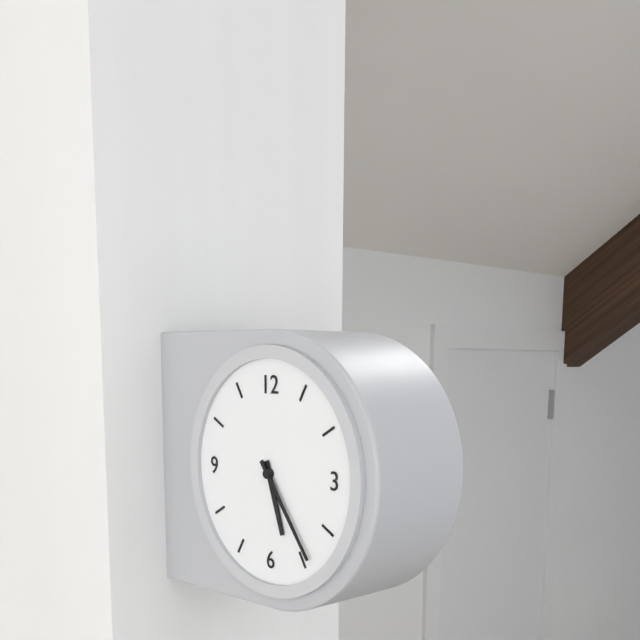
5:24
